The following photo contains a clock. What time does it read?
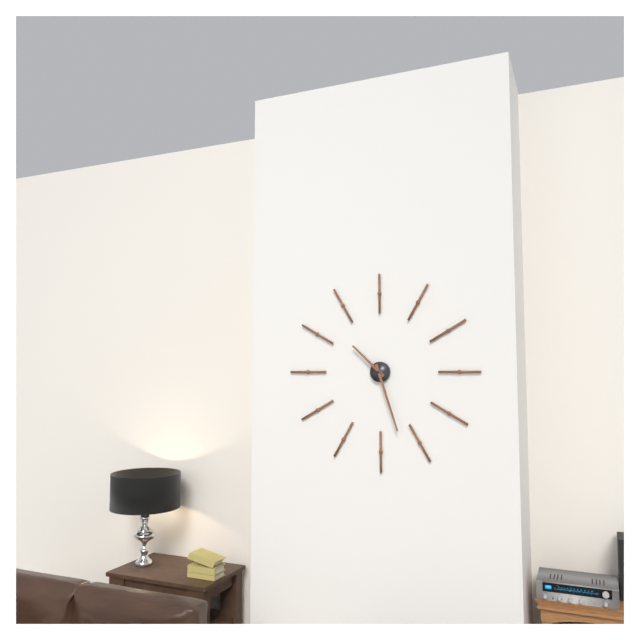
10:27
